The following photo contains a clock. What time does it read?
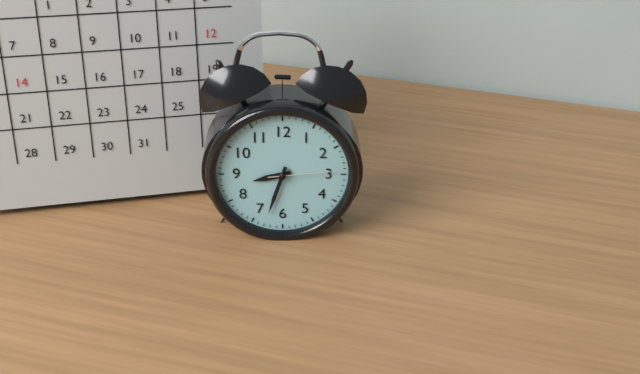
8:33:14
